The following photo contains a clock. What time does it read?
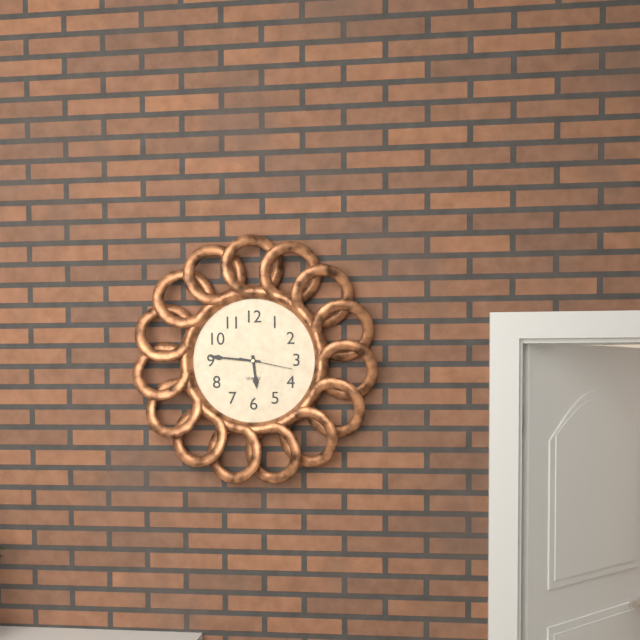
5:46
